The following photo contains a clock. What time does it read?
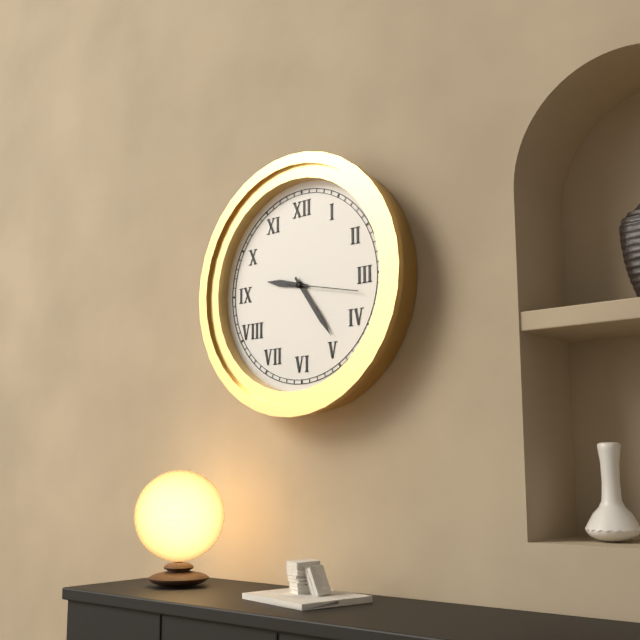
9:24:17
